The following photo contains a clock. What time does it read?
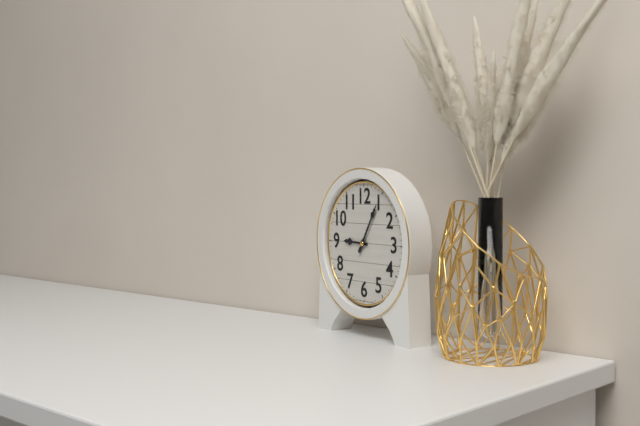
9:05
